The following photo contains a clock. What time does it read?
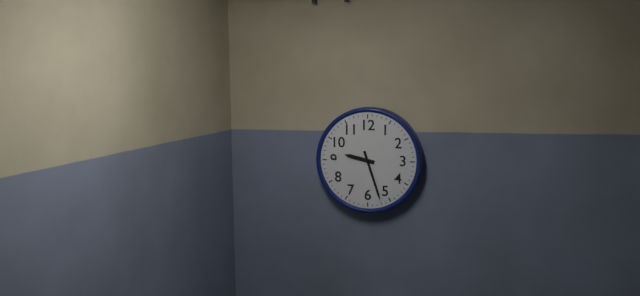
9:27
